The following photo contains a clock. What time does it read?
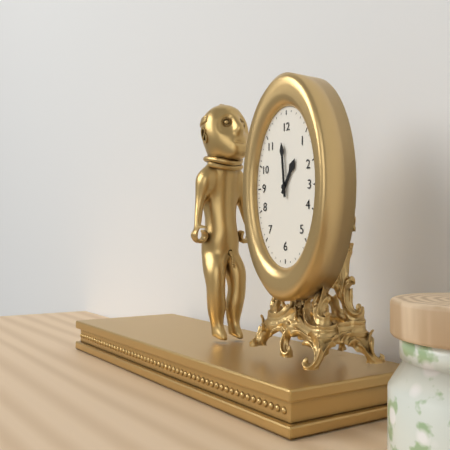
12:59
